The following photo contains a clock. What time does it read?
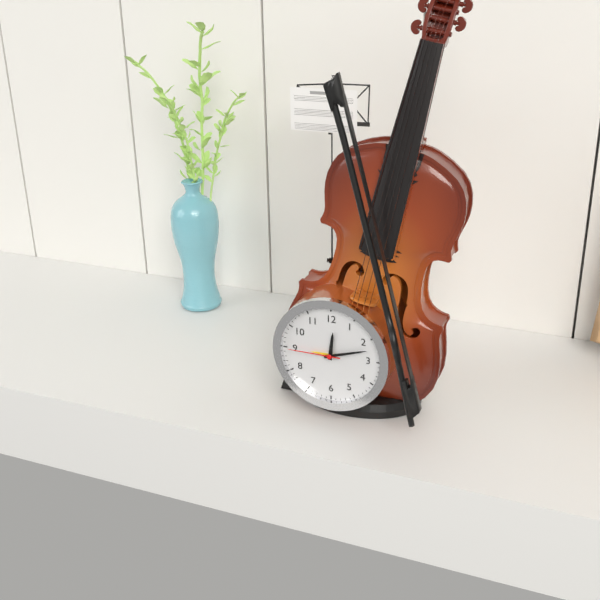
12:12:45
